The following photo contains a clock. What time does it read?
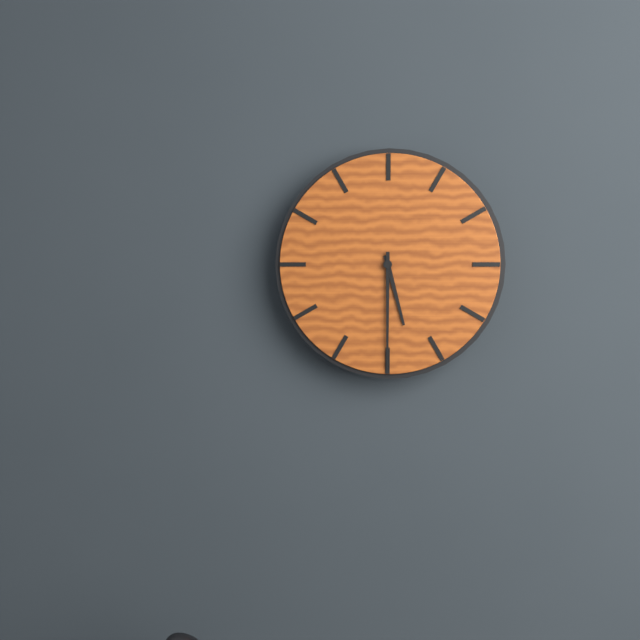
5:30
